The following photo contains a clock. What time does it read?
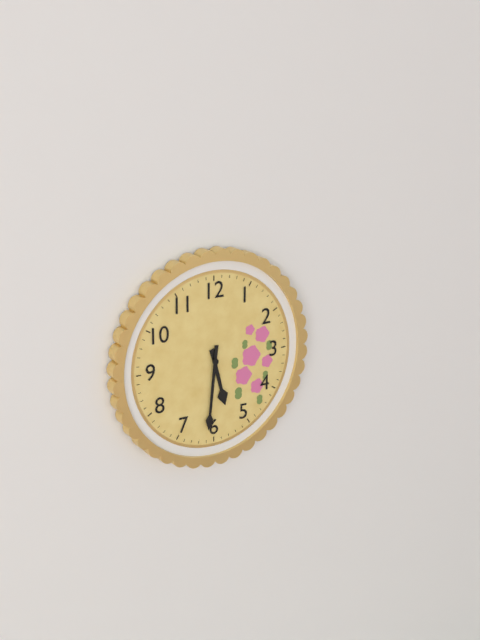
5:31
